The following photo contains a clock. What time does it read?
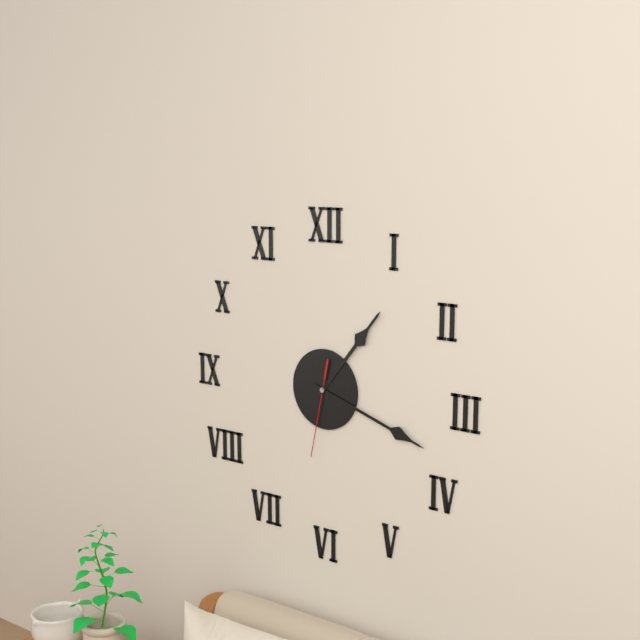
1:18:32
